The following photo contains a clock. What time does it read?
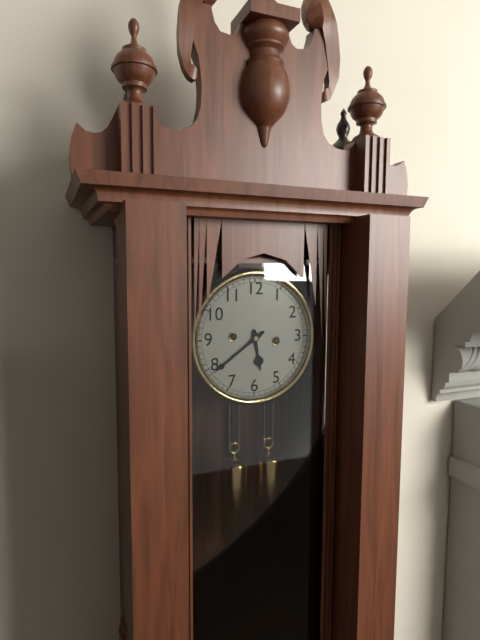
5:39
